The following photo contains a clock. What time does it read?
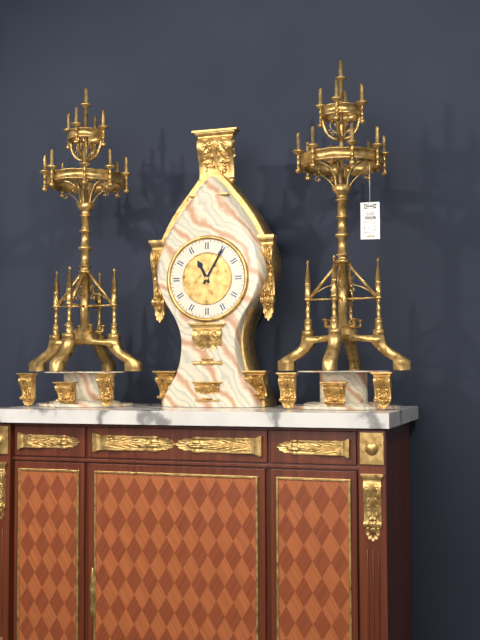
11:05
